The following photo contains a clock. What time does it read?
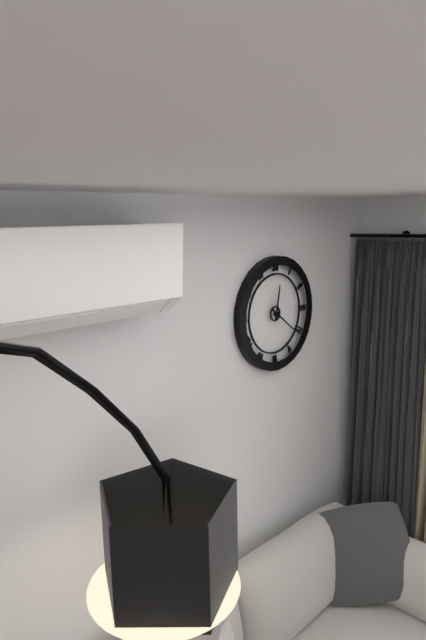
12:21
